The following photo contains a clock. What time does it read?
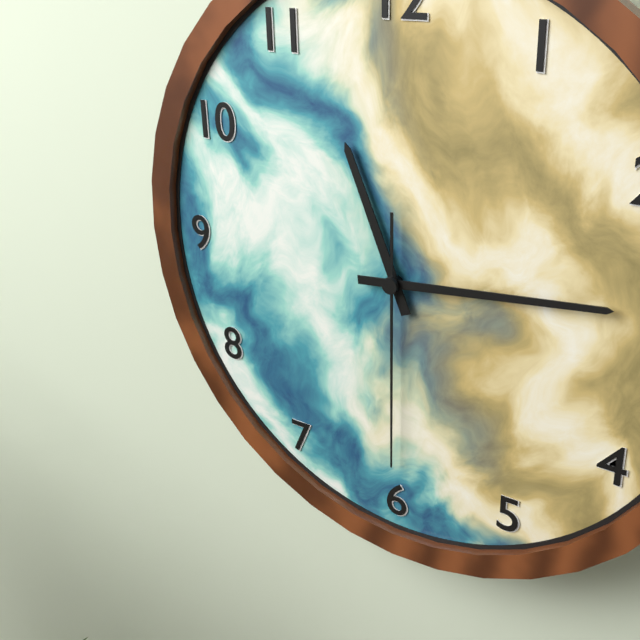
11:14:30
